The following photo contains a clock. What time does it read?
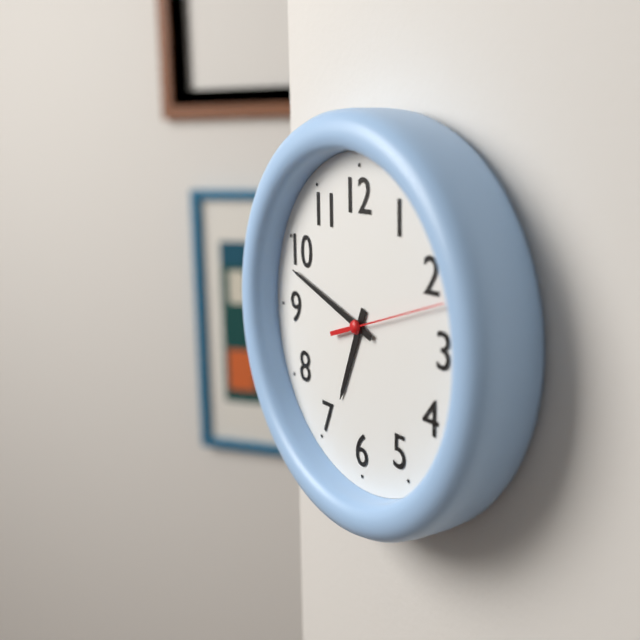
6:48:12
